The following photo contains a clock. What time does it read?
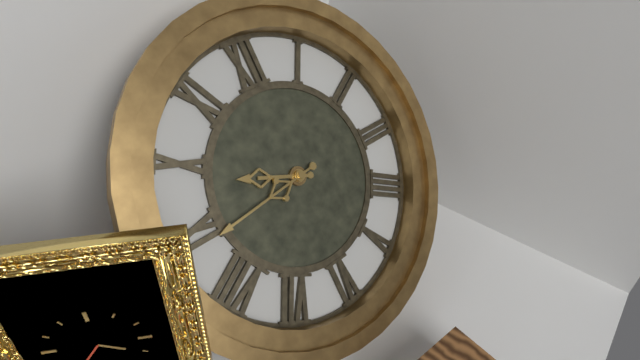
9:44
